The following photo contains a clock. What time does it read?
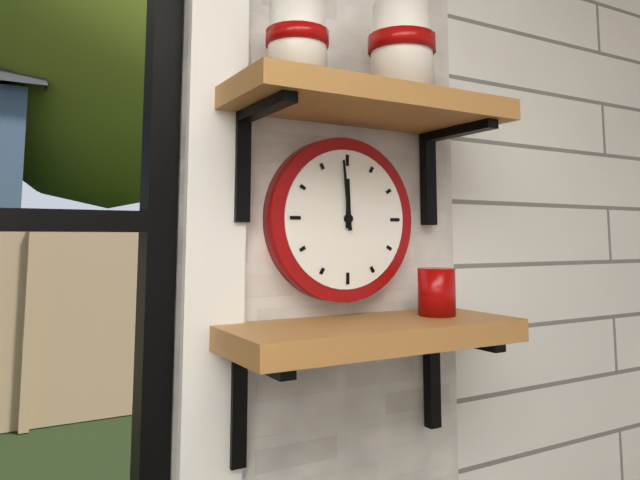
11:59
